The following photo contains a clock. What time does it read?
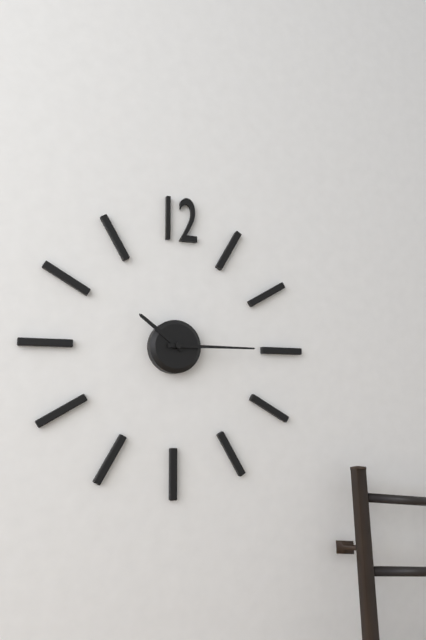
10:15
